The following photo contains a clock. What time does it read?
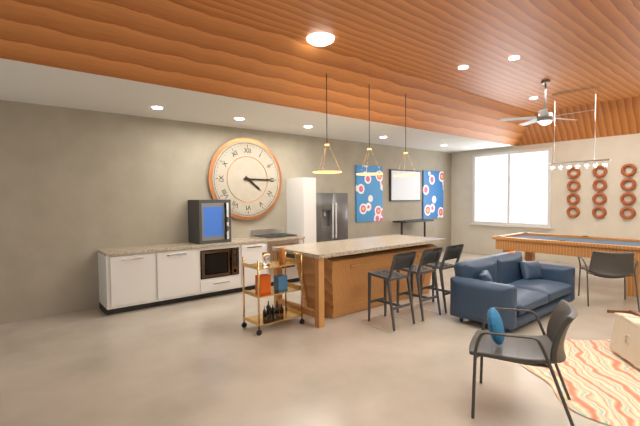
4:15
